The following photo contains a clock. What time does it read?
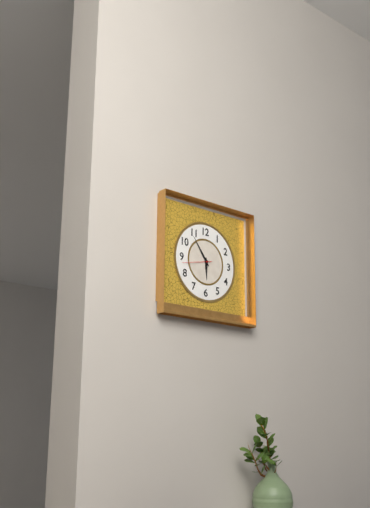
5:54
